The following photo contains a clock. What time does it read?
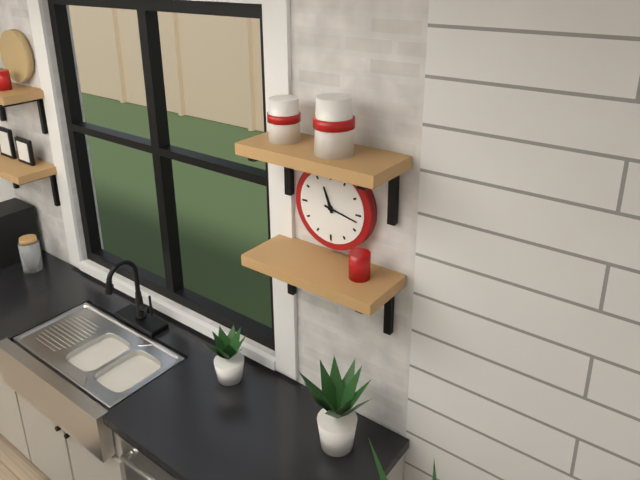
11:17
